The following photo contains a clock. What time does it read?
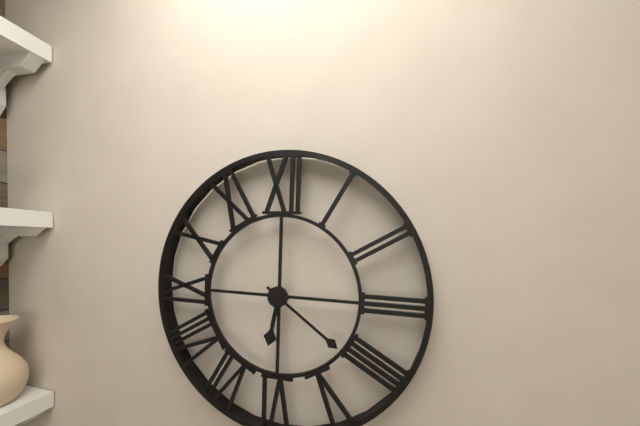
6:21
